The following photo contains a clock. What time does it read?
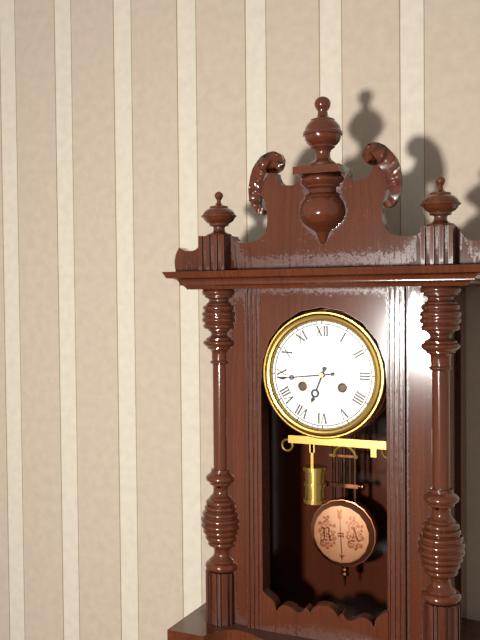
6:44
